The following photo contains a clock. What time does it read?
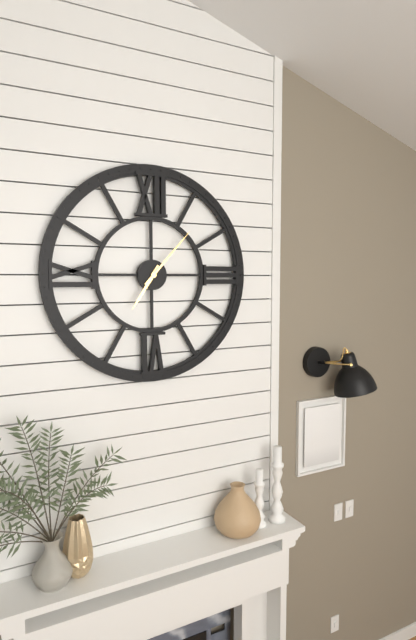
7:07
